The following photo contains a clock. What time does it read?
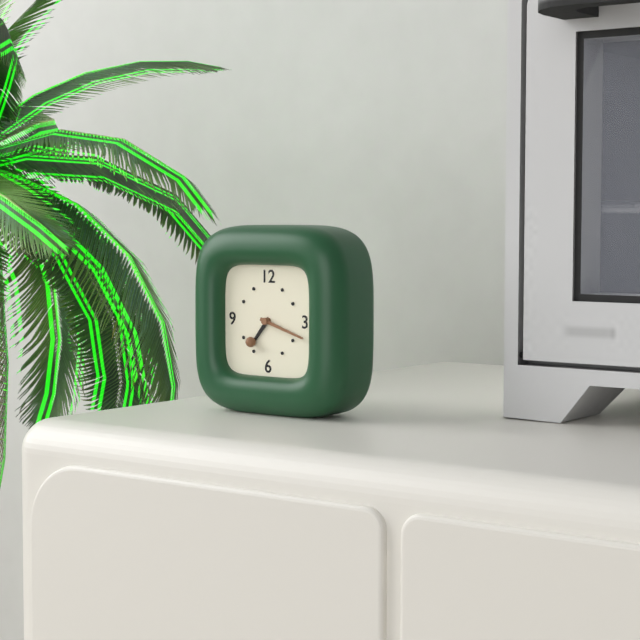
7:18
